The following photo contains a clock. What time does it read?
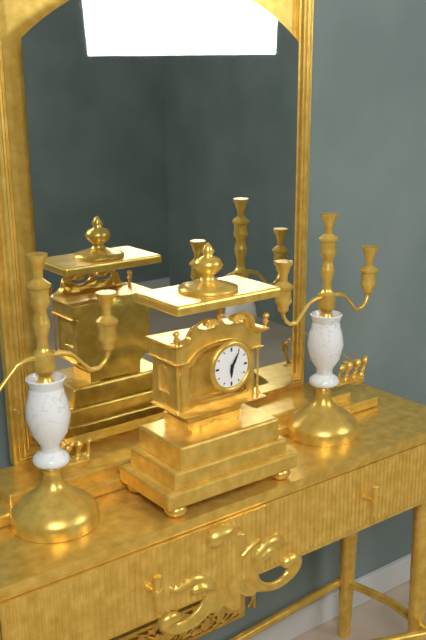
6:05
